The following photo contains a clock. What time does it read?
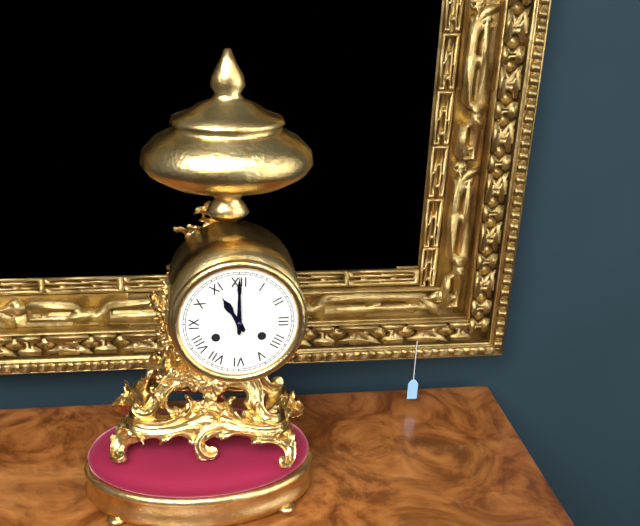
11:00
